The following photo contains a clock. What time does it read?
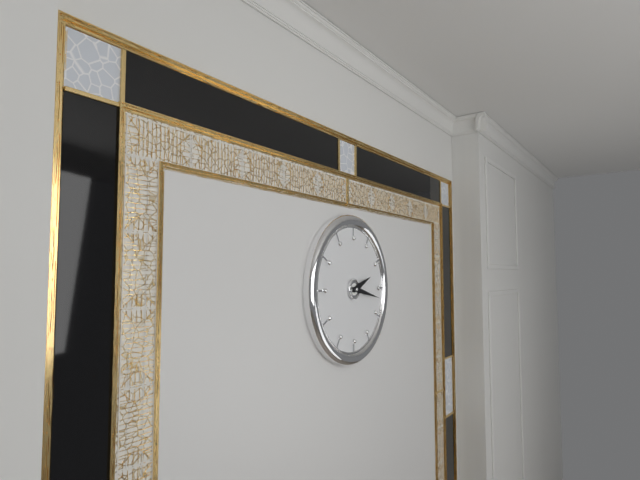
2:17
